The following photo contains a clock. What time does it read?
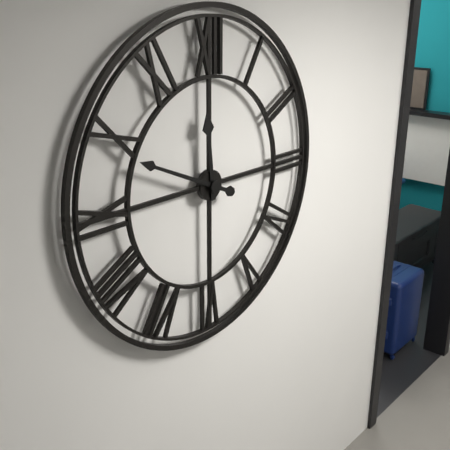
11:49
